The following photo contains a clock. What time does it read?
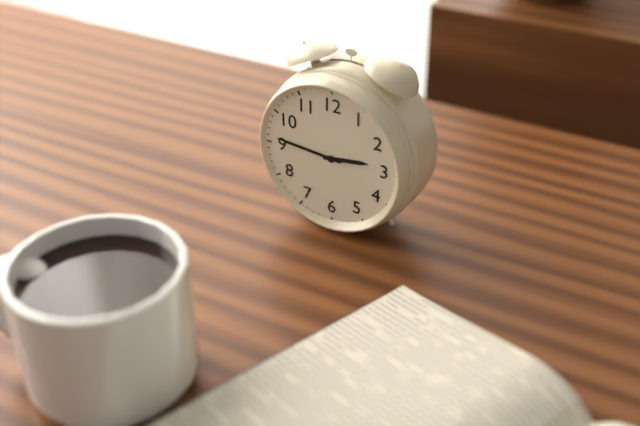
2:46
